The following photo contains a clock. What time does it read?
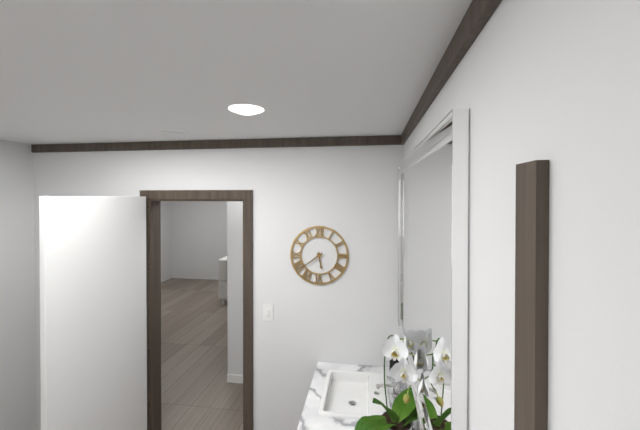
5:39
